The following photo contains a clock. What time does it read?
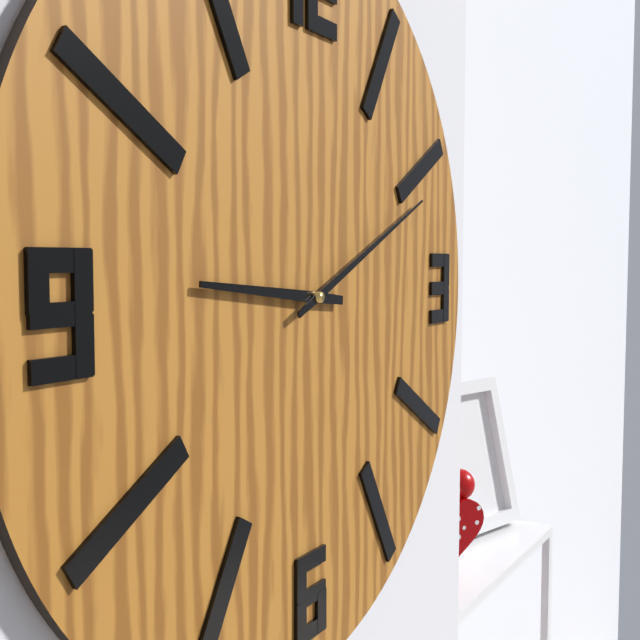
9:11
